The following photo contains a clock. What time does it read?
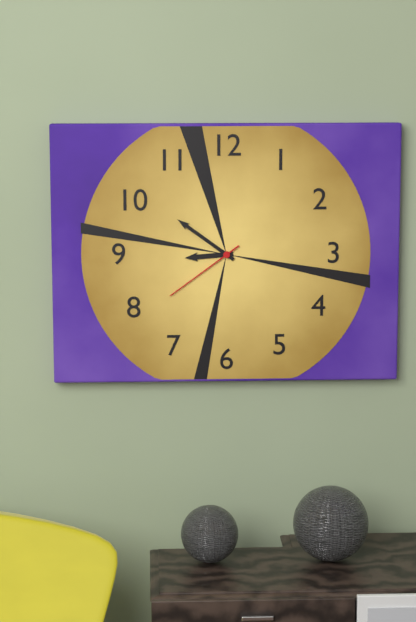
8:51:39
